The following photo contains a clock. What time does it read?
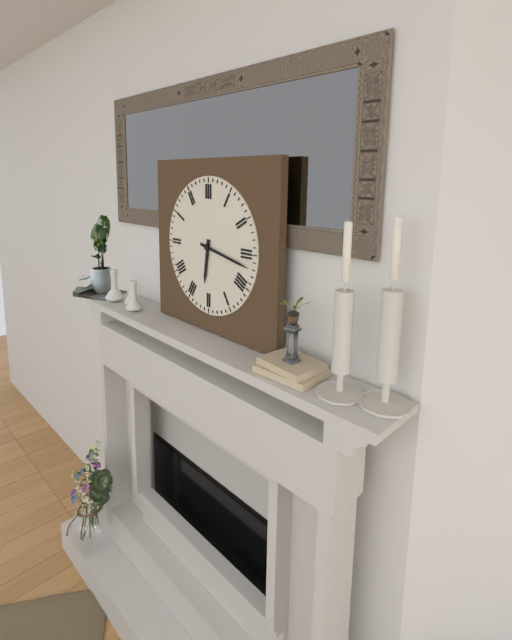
6:17
